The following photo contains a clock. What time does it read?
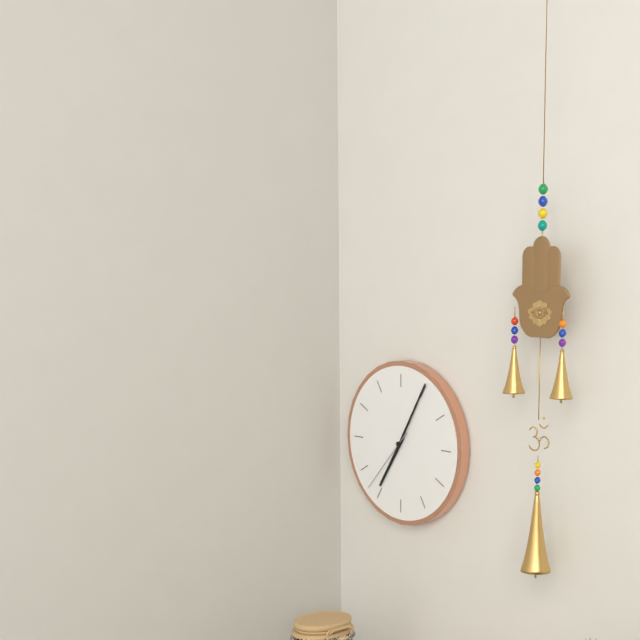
7:05:37
